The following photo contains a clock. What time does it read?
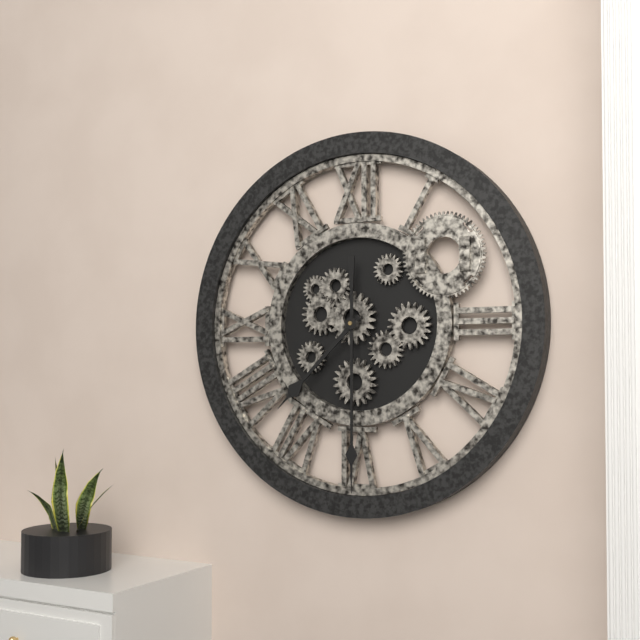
7:30
